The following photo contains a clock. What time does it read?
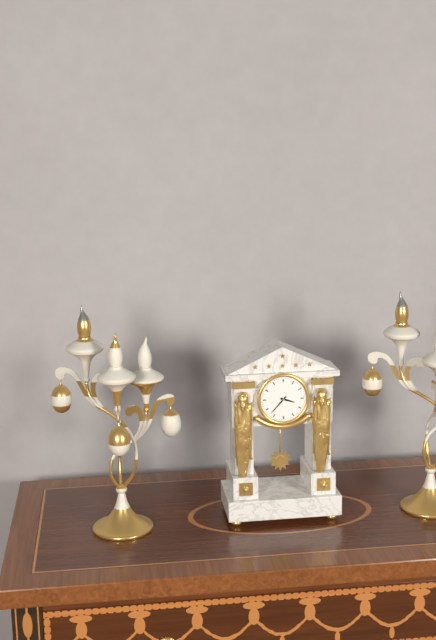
3:37
